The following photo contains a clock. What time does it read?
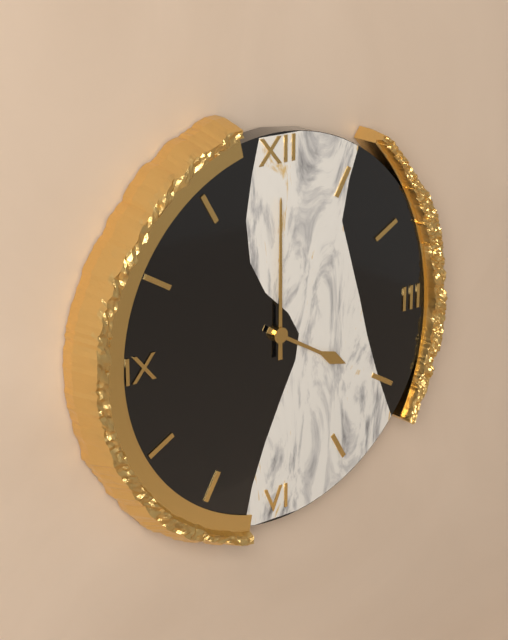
4:00
